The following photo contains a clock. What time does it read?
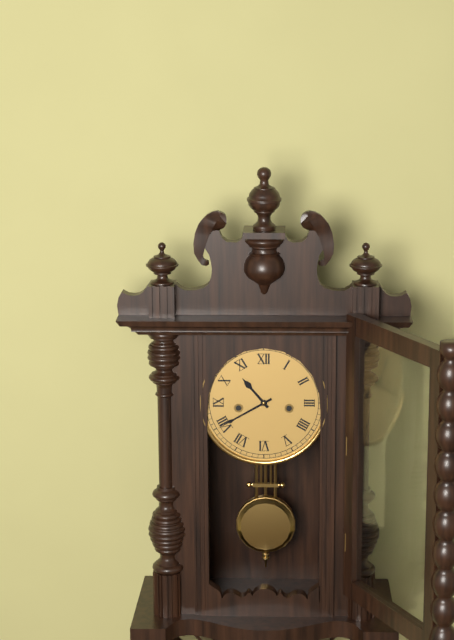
10:40
